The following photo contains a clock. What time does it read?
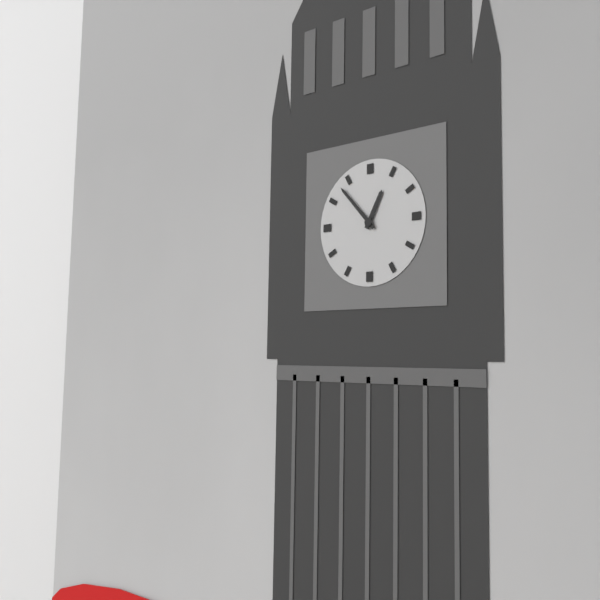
12:53
